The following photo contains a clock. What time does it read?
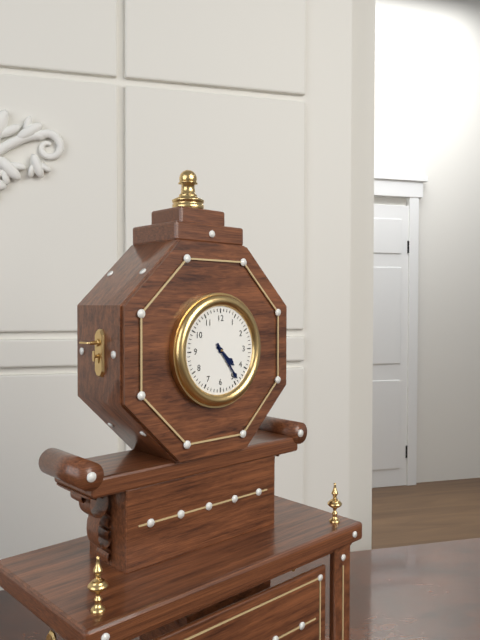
4:24
